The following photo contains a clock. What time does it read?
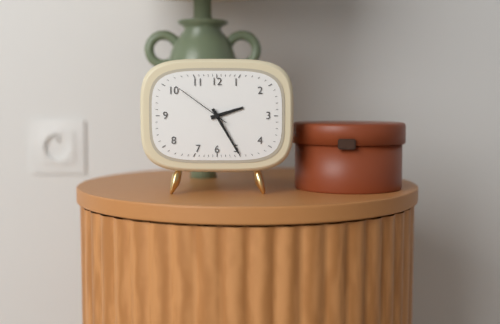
2:25:51
